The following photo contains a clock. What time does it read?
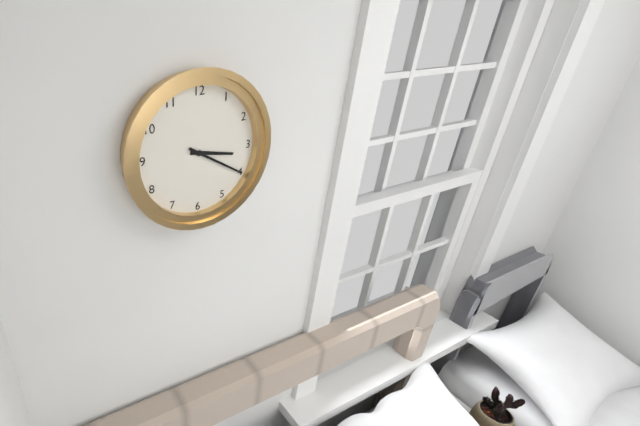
3:20
